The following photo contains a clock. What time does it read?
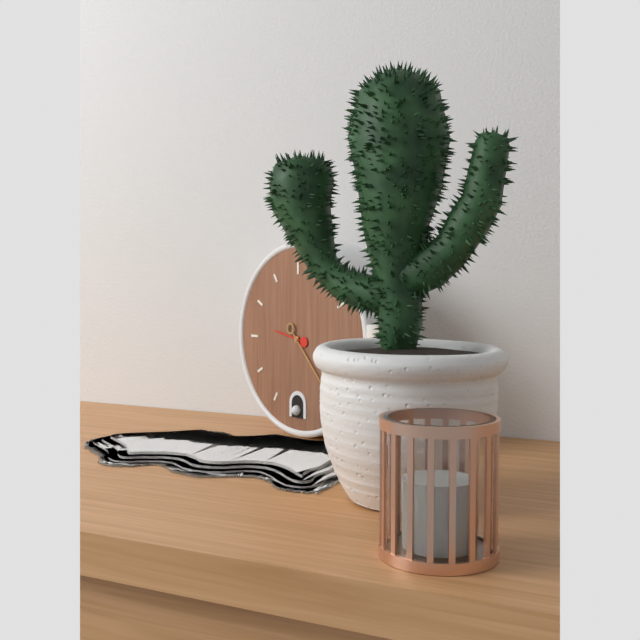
9:23
